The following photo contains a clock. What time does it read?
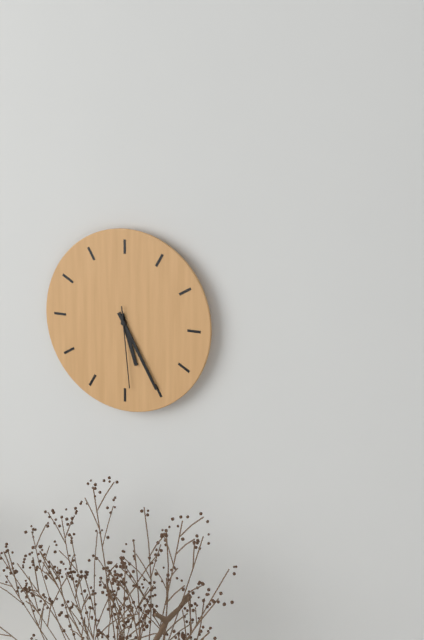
5:25:29
